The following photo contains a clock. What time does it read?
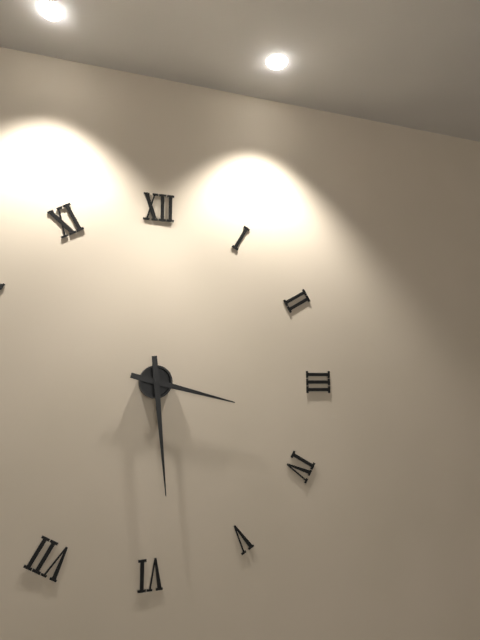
3:29
